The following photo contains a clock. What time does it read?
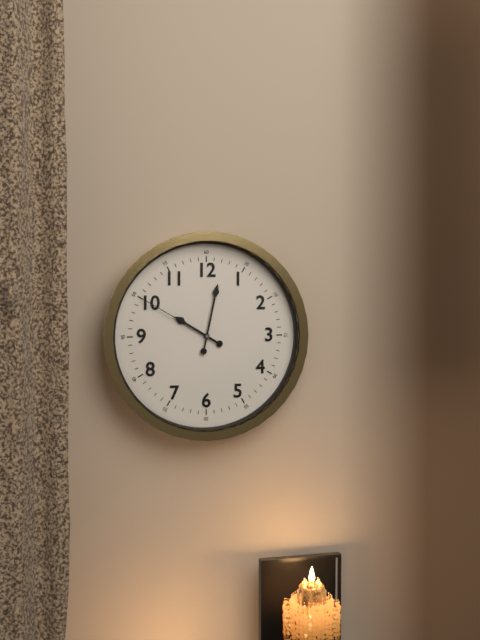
10:02:50
